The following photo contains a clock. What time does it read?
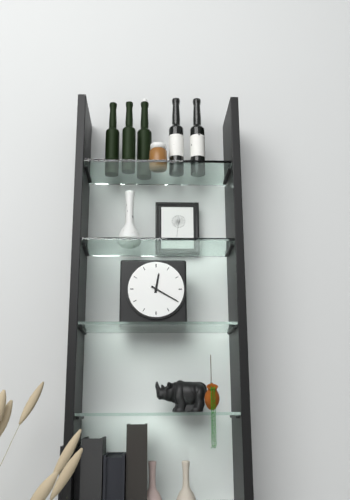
12:20
